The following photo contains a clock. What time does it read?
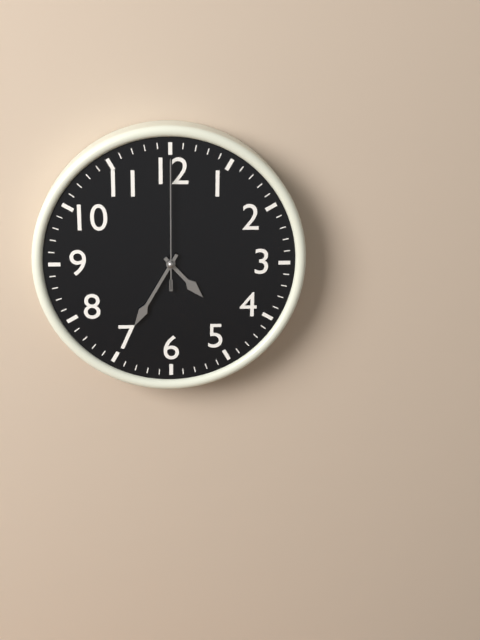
4:35:00
